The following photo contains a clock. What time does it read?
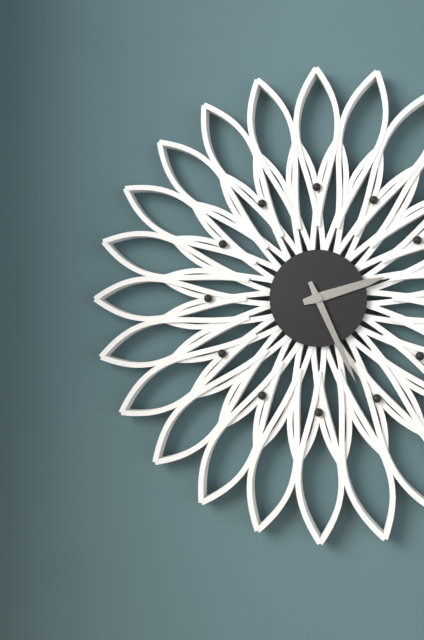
2:26
